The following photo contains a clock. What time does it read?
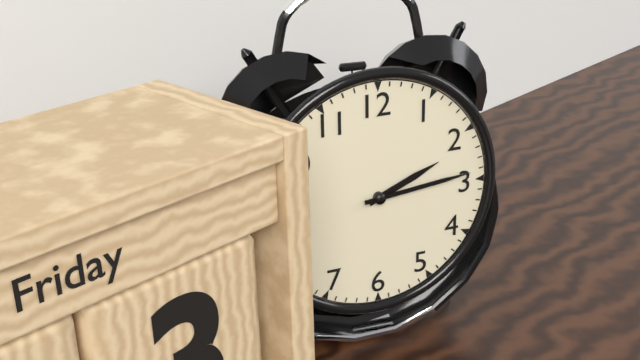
2:14
